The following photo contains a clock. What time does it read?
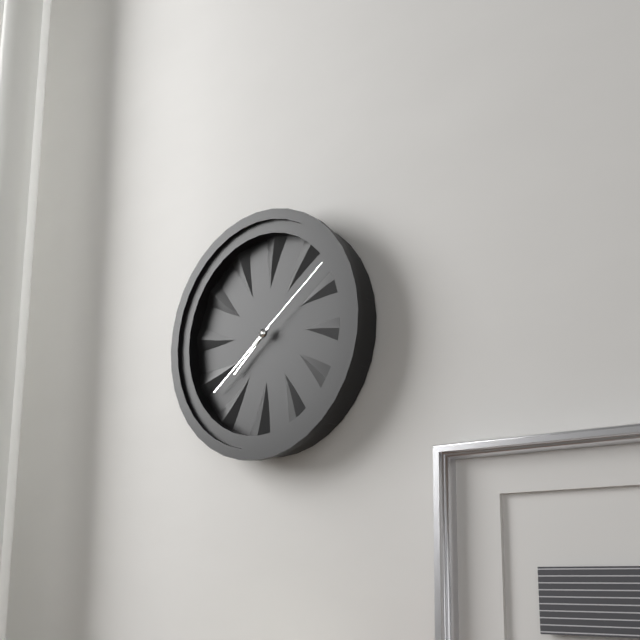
7:39:09
